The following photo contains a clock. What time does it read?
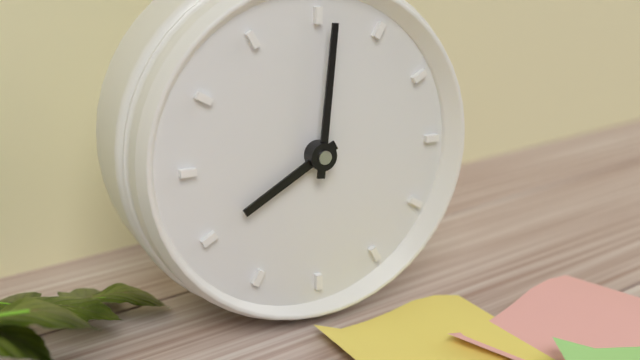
8:01
